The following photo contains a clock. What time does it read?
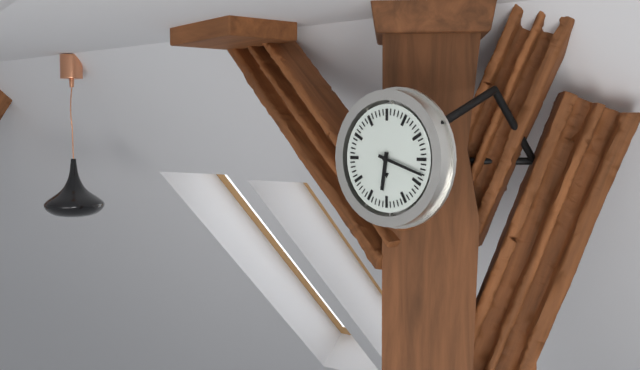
6:18
